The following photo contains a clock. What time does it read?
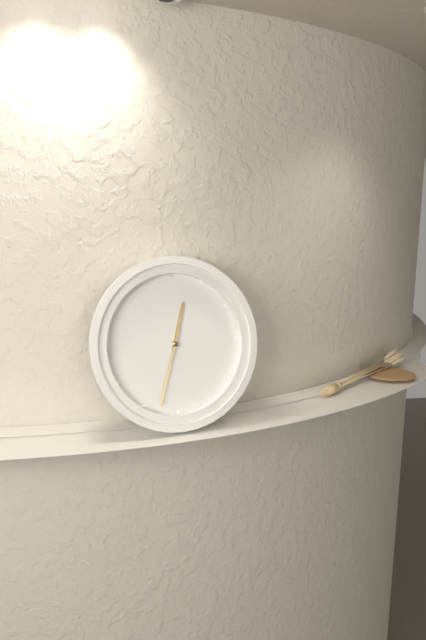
12:33
